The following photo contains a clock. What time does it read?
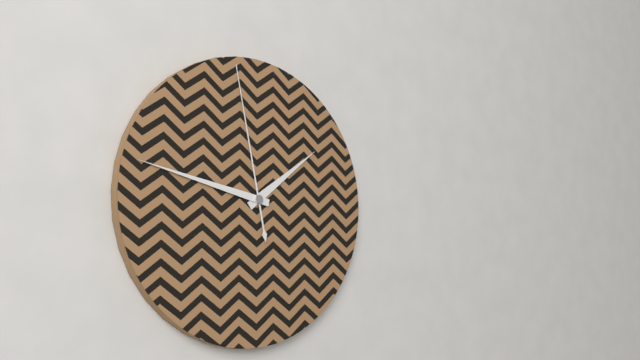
1:47:58
